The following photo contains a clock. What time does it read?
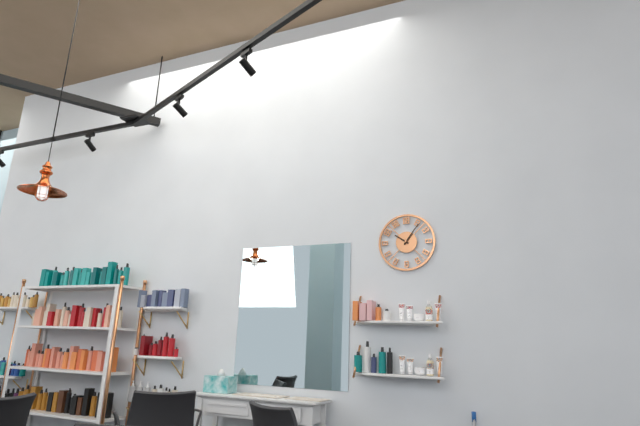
10:06
